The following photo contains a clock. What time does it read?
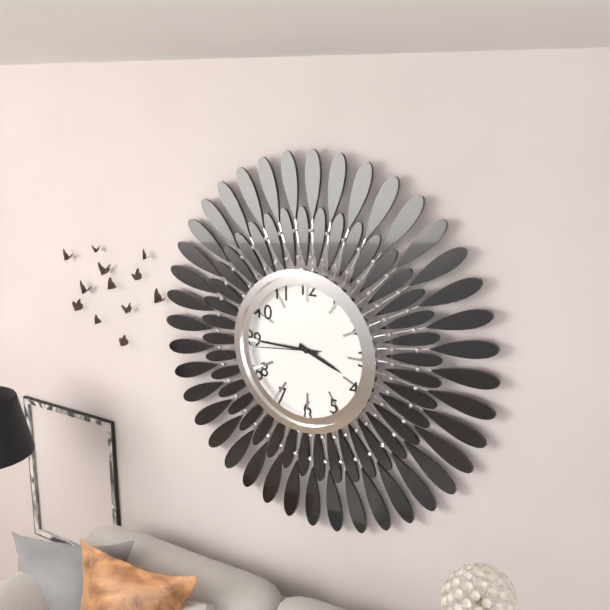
3:45:44
